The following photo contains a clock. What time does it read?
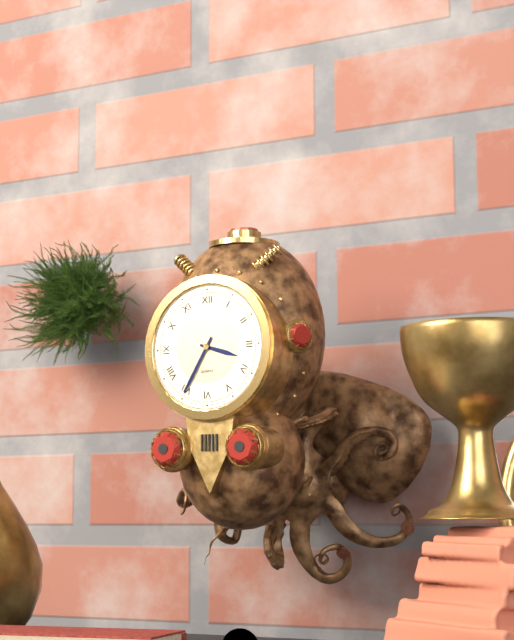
3:35
